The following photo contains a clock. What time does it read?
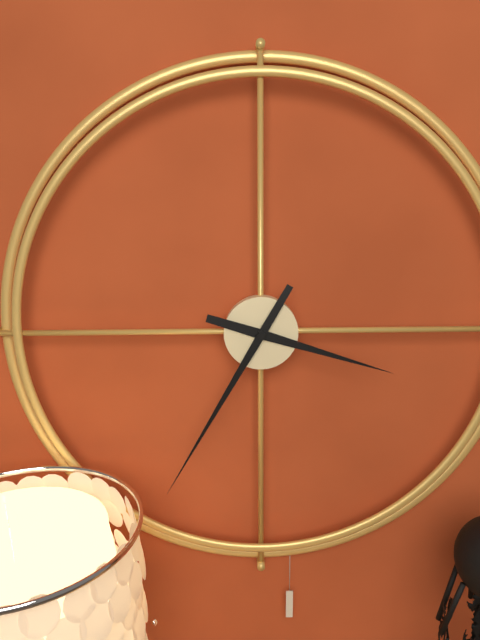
3:35
